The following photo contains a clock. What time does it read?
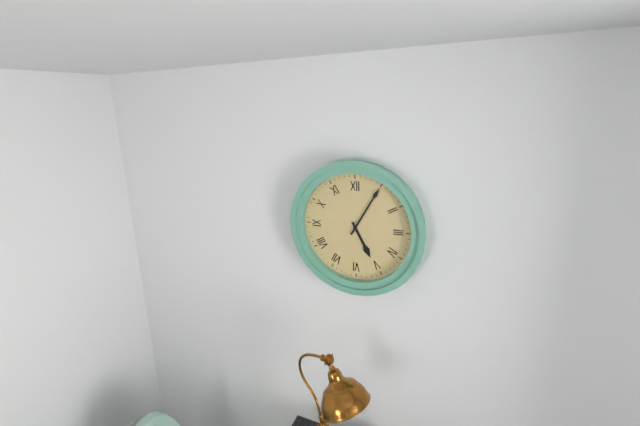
5:05
